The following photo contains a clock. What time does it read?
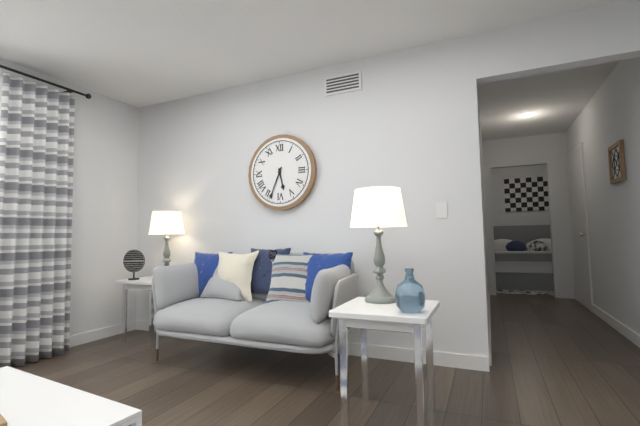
5:34
